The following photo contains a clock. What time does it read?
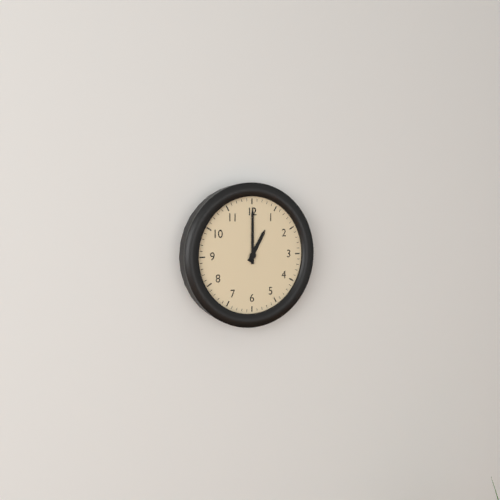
1:00
